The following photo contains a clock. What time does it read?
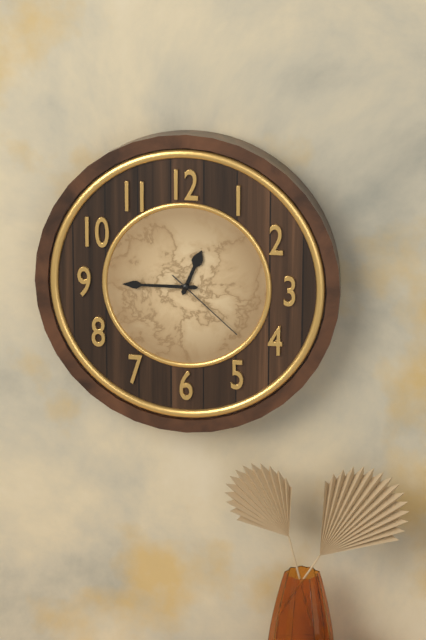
12:45:22
